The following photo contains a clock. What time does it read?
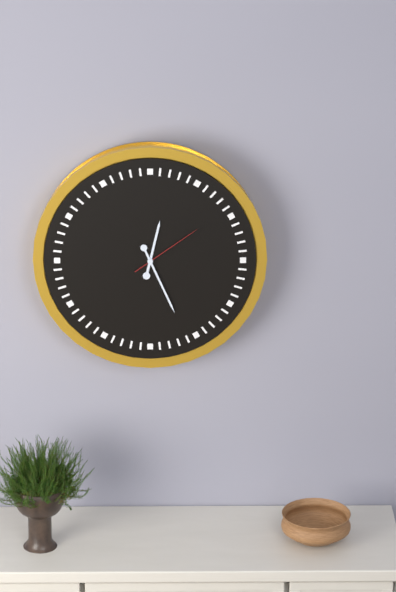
12:26:09
